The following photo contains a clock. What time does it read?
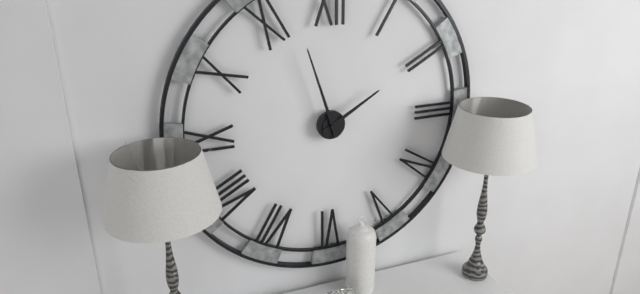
1:57
